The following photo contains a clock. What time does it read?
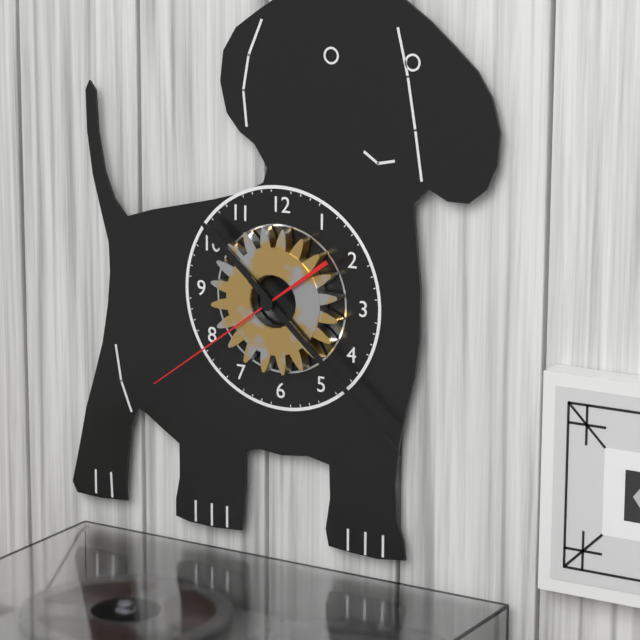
10:22:39
